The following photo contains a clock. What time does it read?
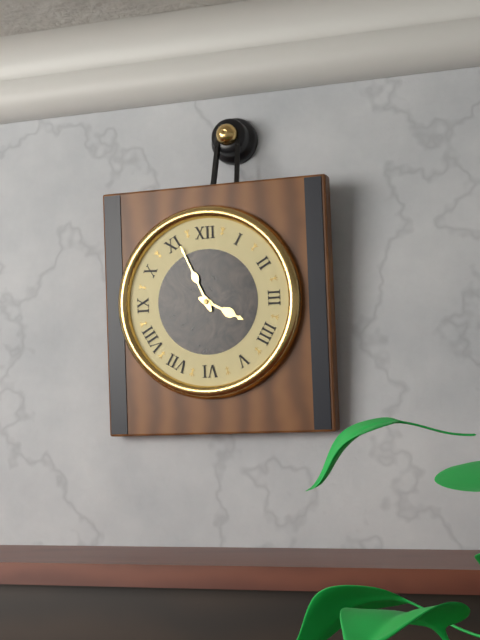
3:56
